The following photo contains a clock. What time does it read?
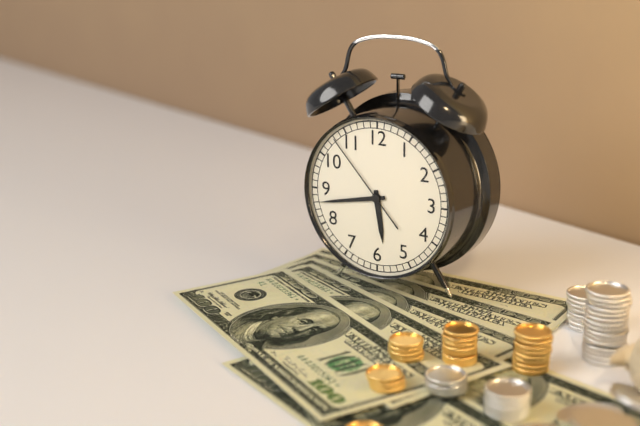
5:43:53
